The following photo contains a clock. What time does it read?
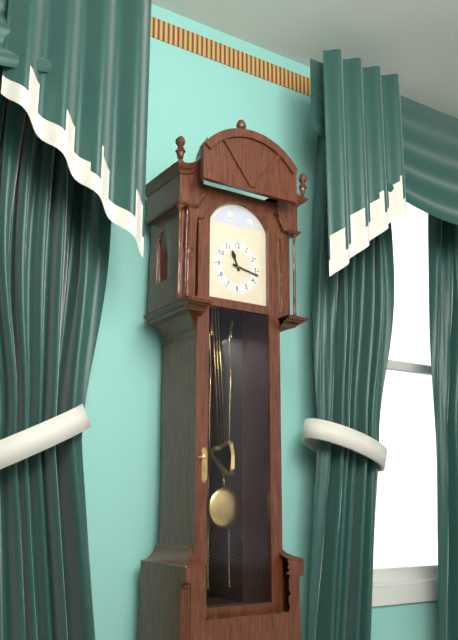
11:17
